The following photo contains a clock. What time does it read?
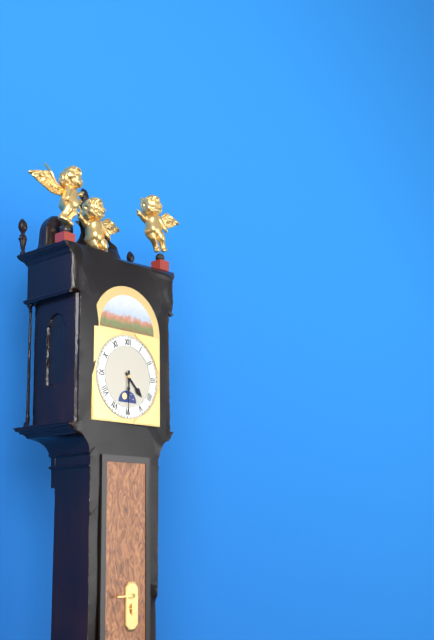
4:30
